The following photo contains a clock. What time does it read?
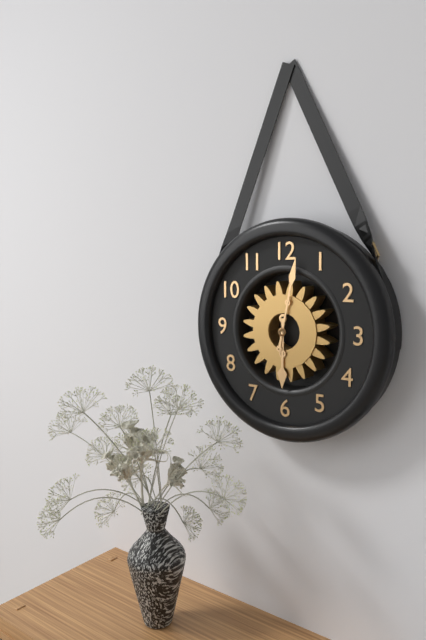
6:02
